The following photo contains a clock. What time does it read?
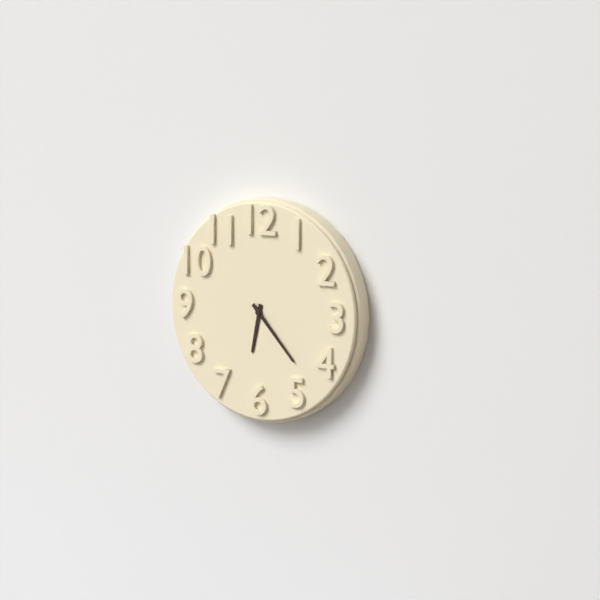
6:23
